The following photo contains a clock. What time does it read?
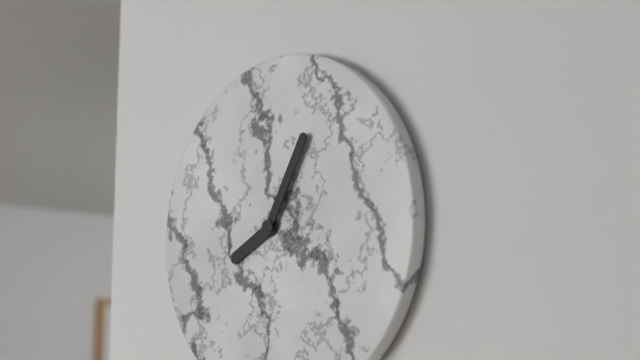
8:05
